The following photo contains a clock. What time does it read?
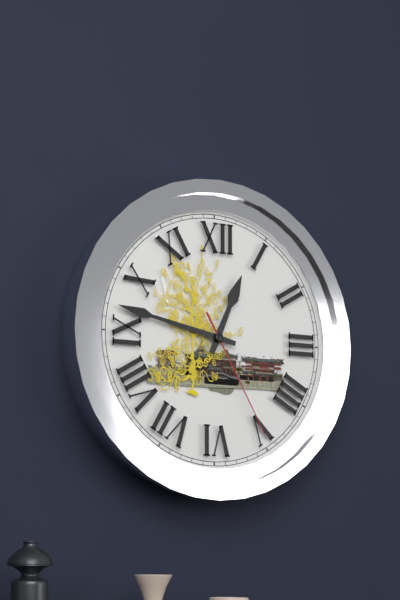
12:47:25
